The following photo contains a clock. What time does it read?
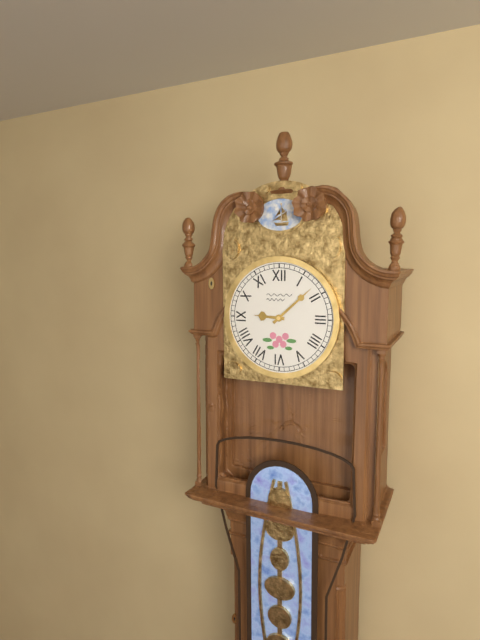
9:08
